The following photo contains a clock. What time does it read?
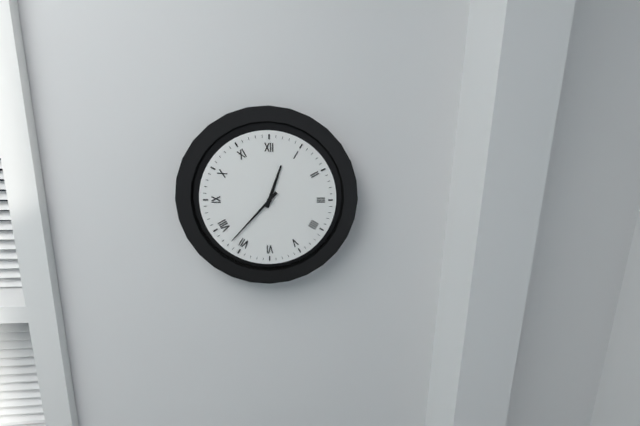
12:37
